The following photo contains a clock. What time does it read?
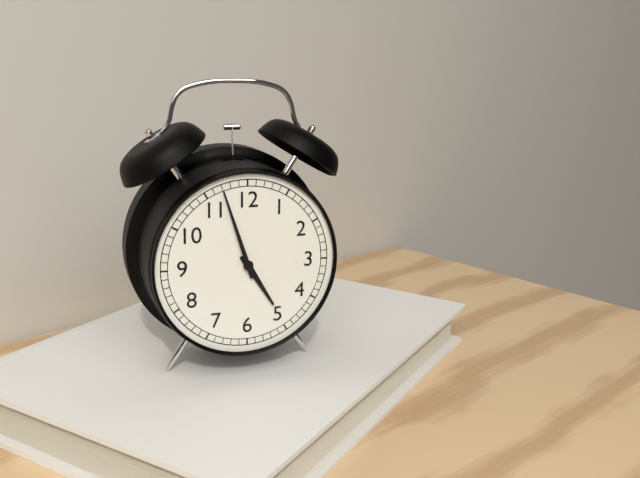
4:57
